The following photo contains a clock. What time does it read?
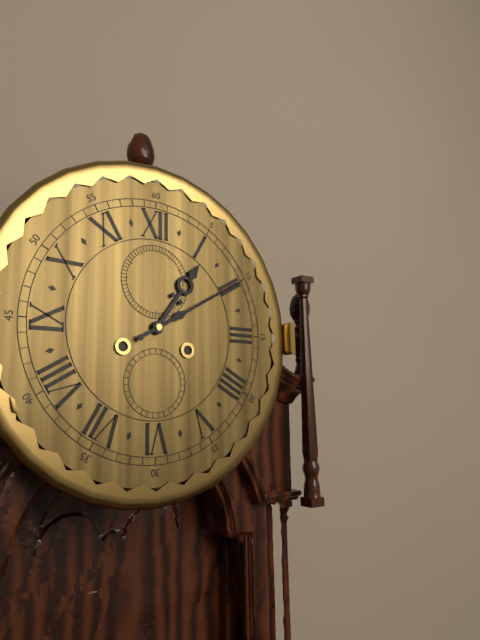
1:10
